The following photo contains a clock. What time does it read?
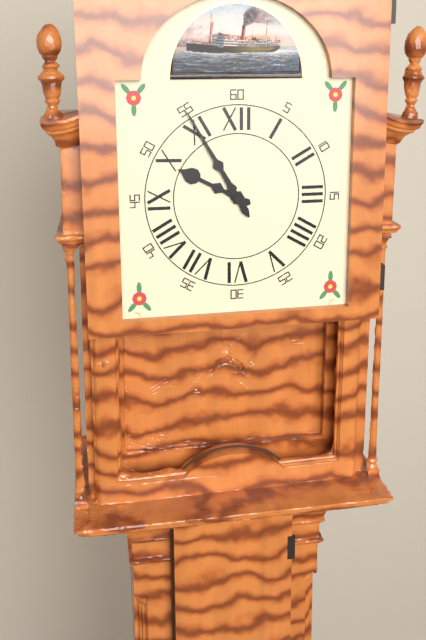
9:55
